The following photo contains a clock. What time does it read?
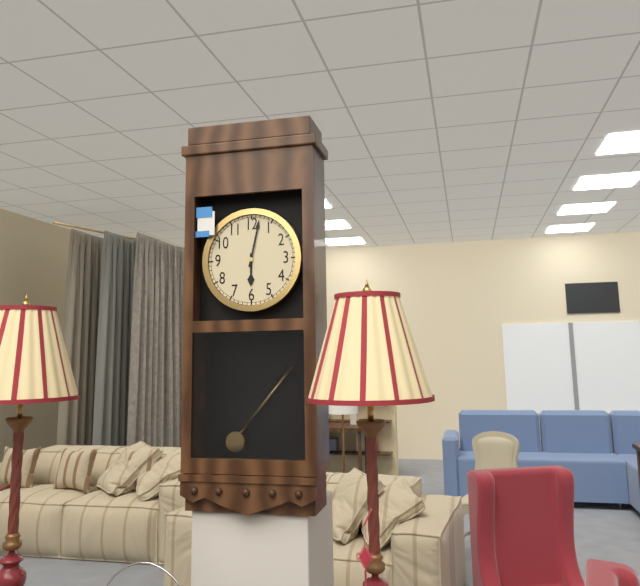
6:02
